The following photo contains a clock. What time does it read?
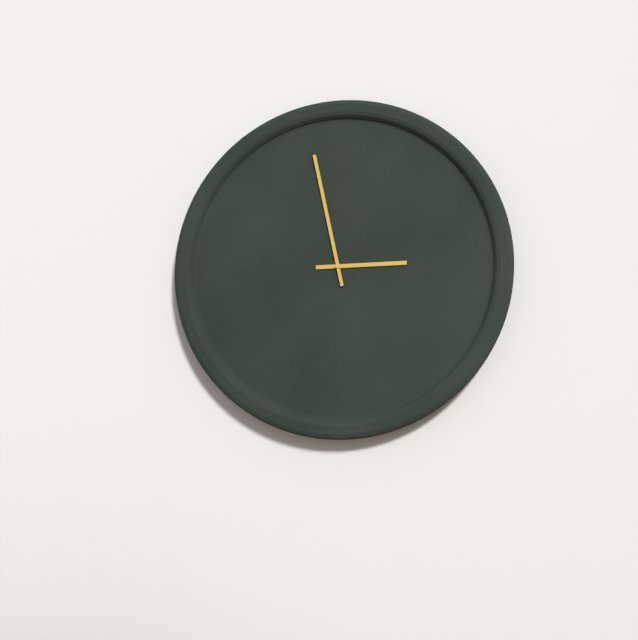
2:58
